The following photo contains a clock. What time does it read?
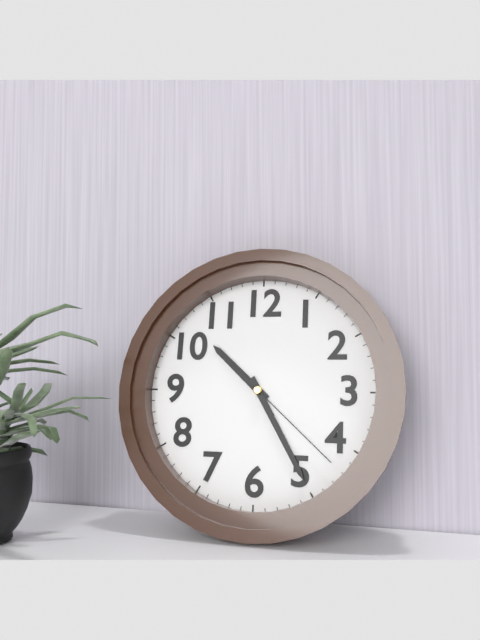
10:25:22
